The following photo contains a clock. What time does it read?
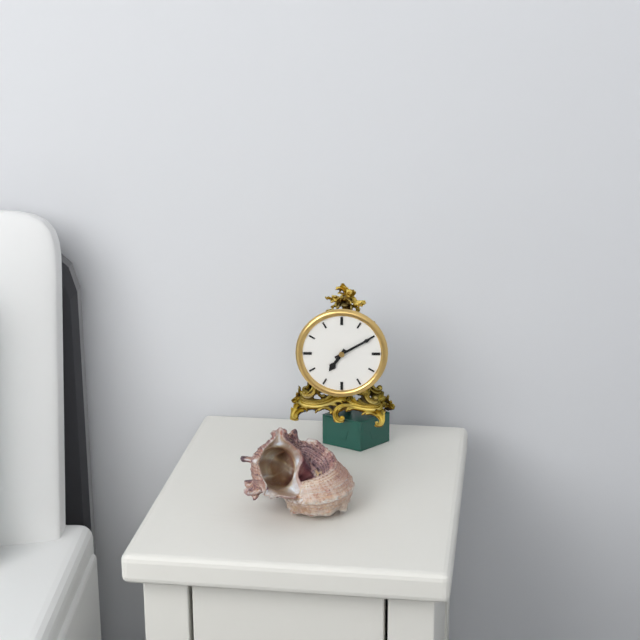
7:10
